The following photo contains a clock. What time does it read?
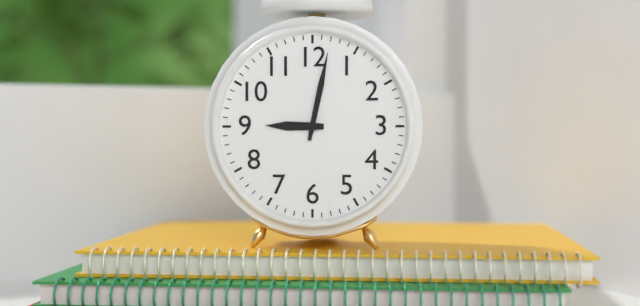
9:02
